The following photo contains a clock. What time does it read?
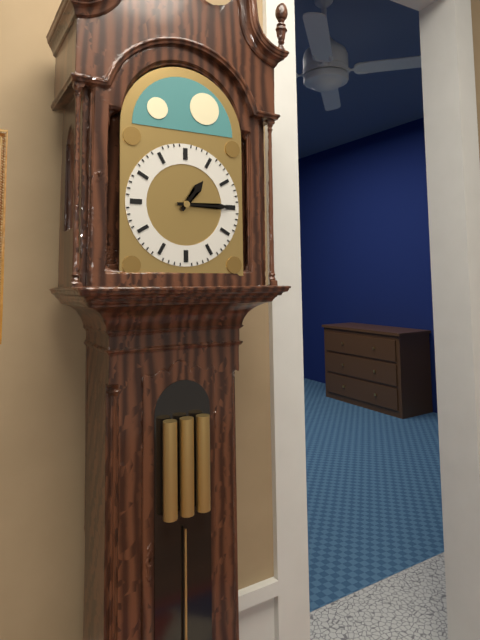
1:15
